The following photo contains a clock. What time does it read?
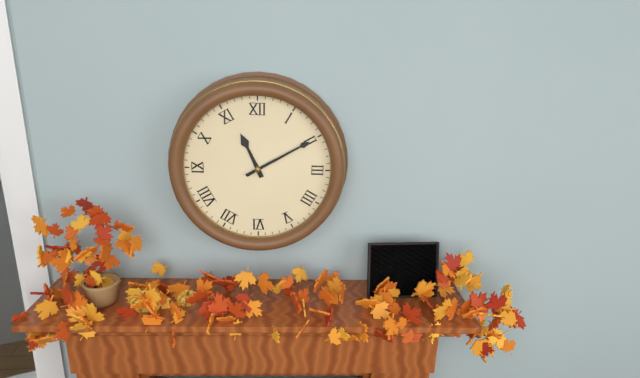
11:10
